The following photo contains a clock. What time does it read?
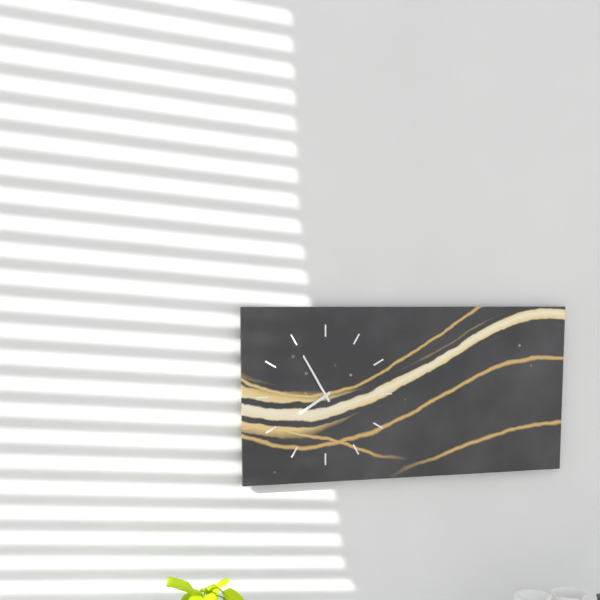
7:55
